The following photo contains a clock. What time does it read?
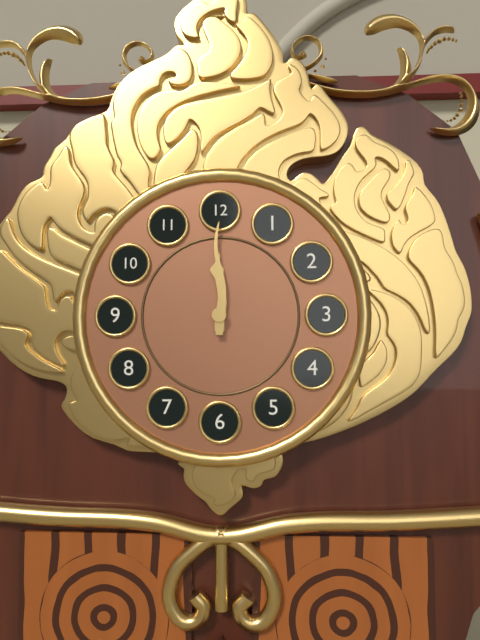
12:00
